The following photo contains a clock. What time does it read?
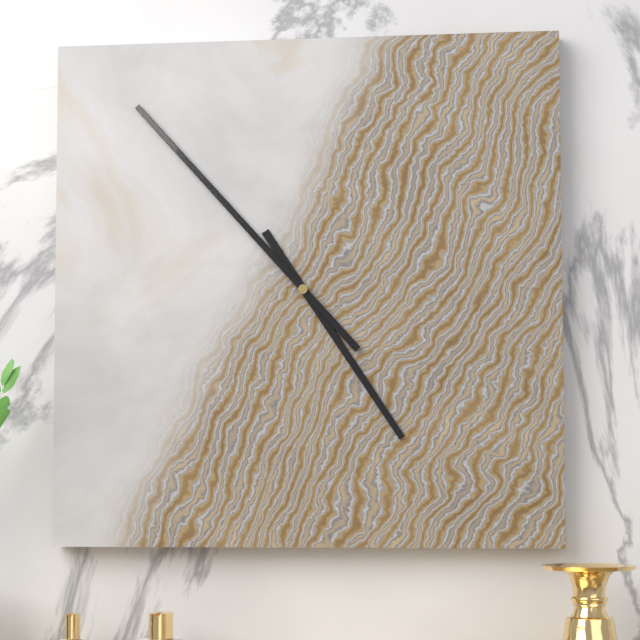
4:53
